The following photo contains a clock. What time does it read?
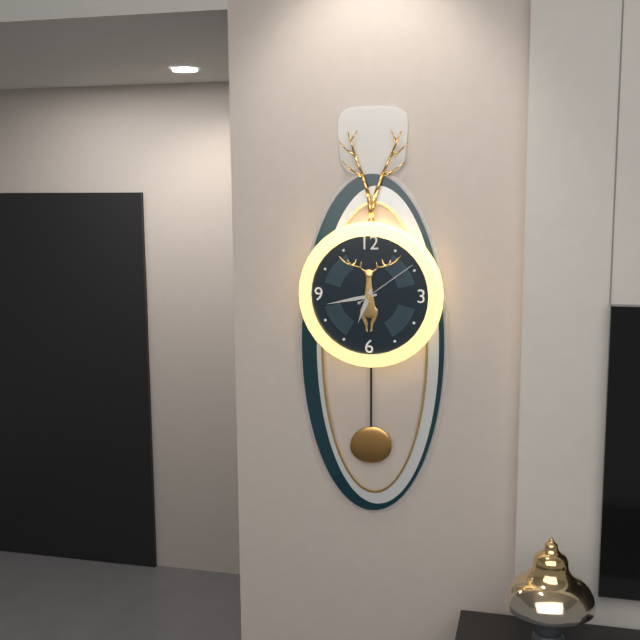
6:43:09
